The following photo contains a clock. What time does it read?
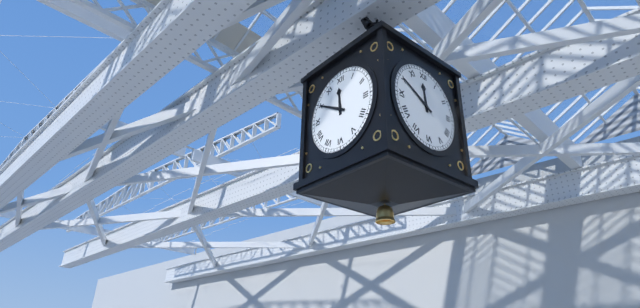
11:50
